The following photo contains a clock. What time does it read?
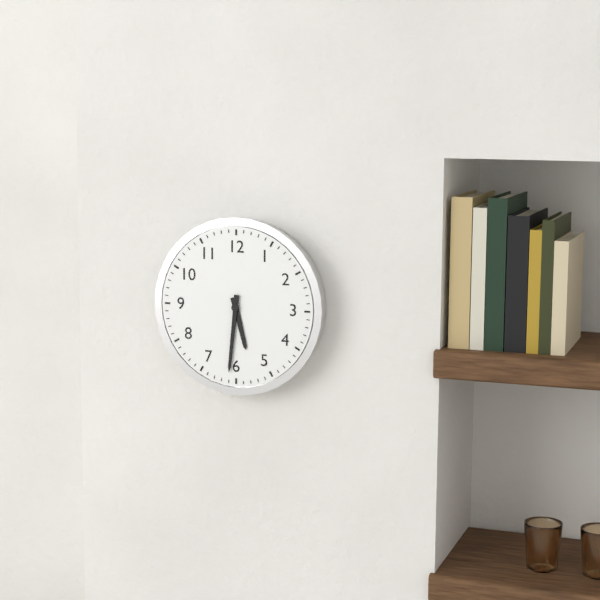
5:31
